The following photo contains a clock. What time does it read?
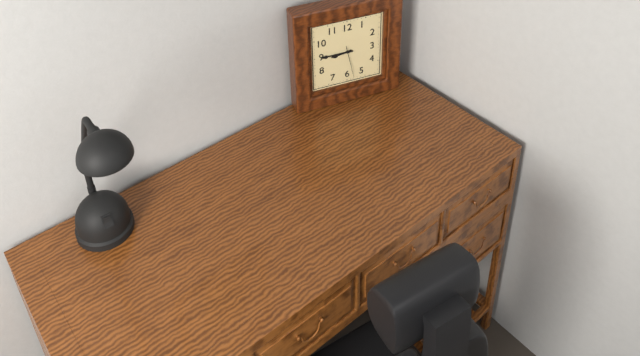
8:45
